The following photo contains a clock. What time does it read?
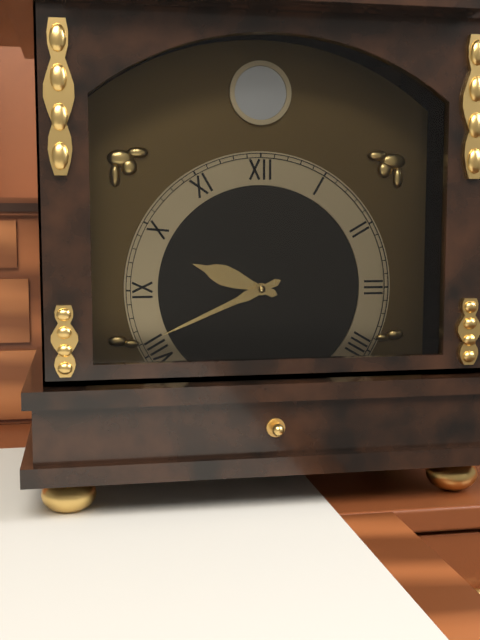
9:41
